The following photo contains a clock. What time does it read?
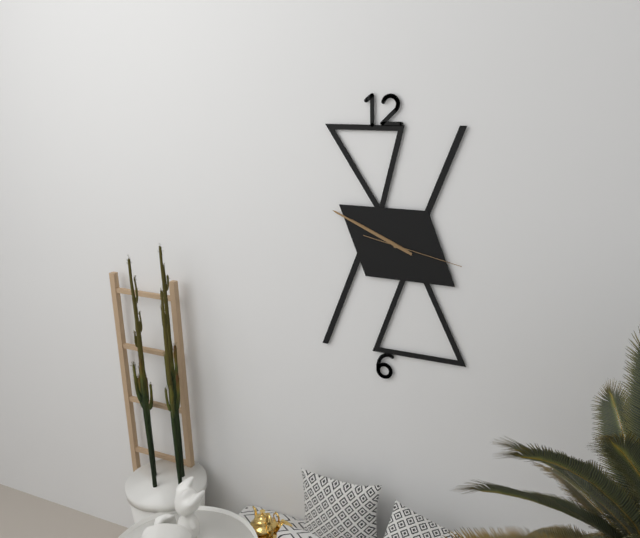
9:49:17
